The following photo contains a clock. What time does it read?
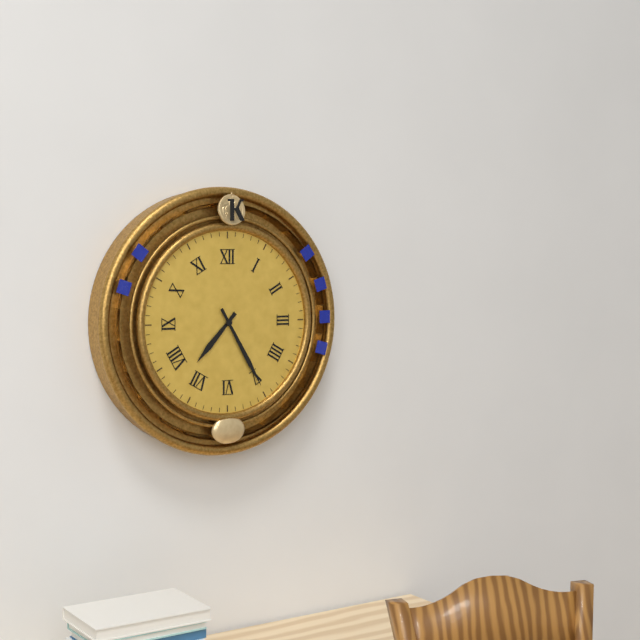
7:25
